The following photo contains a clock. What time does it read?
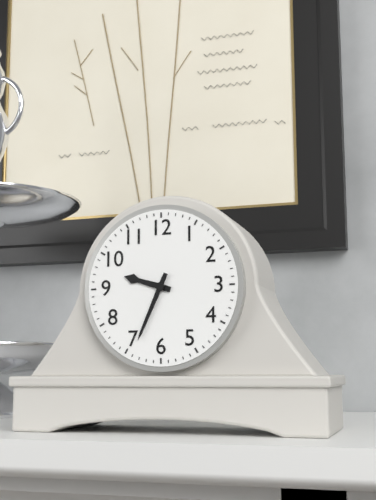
9:34
